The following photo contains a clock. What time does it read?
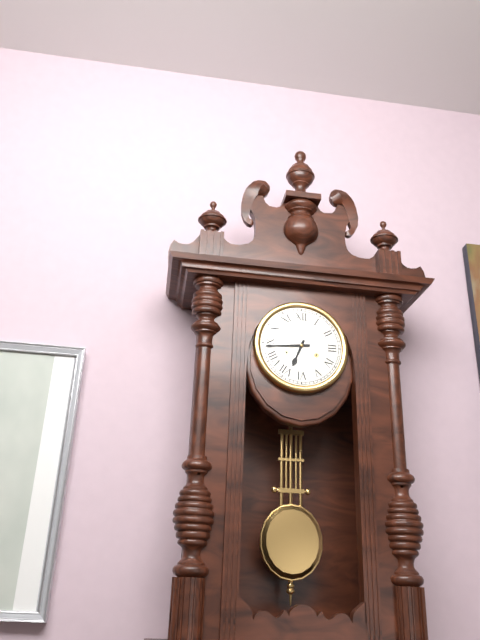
6:44
